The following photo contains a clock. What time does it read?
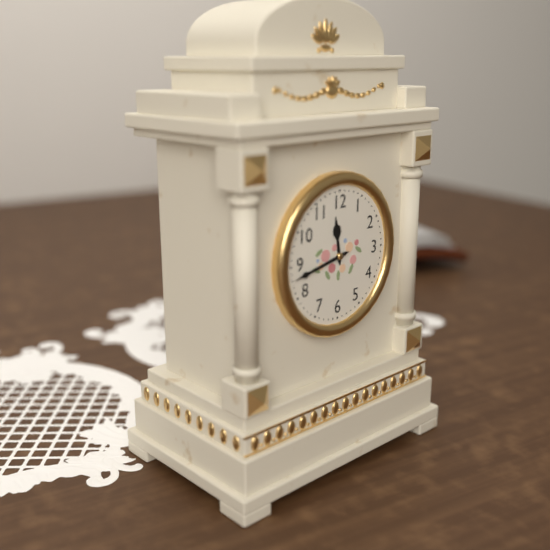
11:43
